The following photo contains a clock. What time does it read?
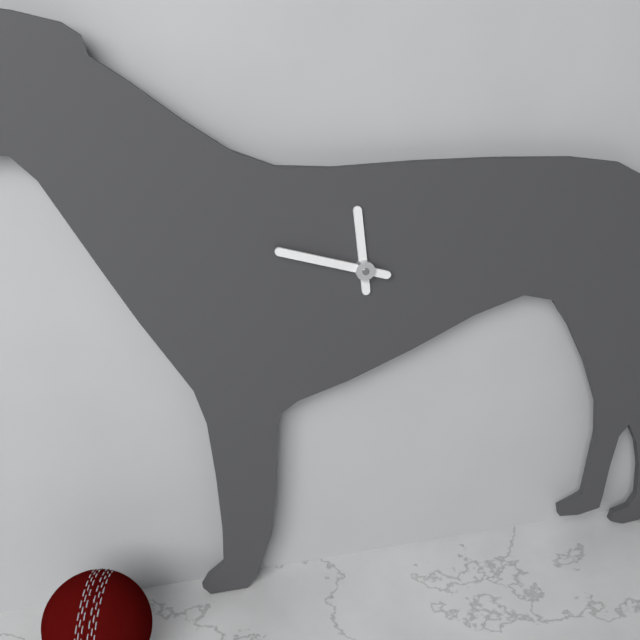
11:48
